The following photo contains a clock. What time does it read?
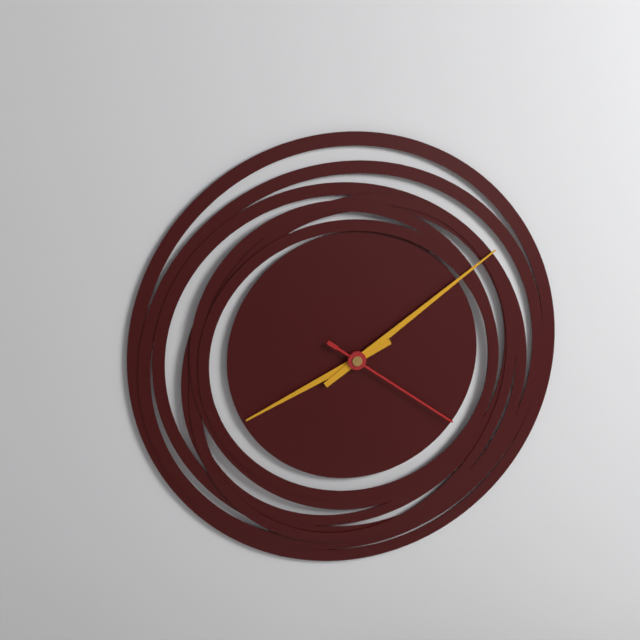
8:09:21
